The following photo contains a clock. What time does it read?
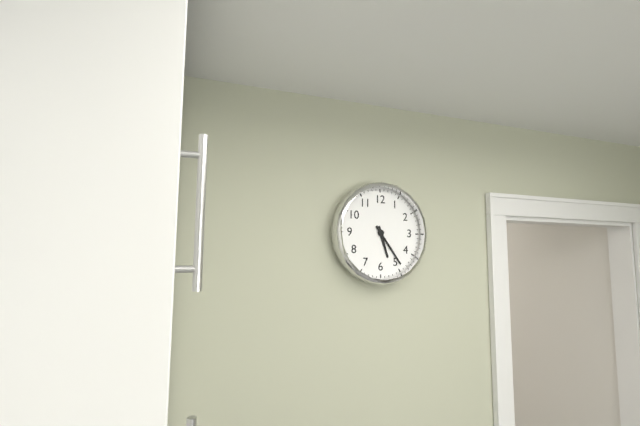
5:24
